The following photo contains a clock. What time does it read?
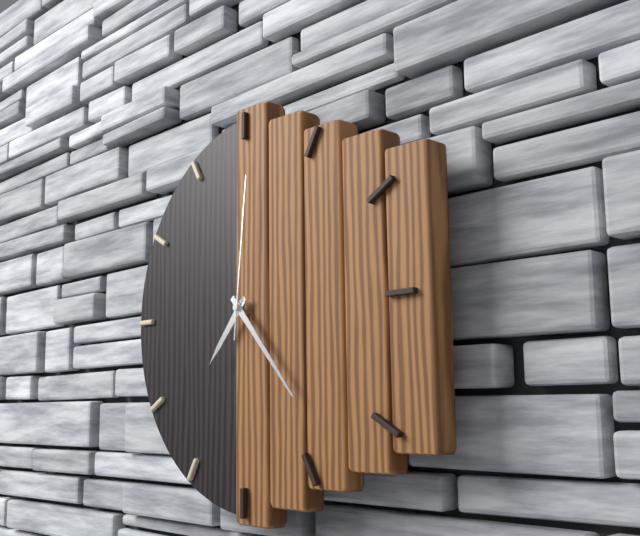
7:23:01
